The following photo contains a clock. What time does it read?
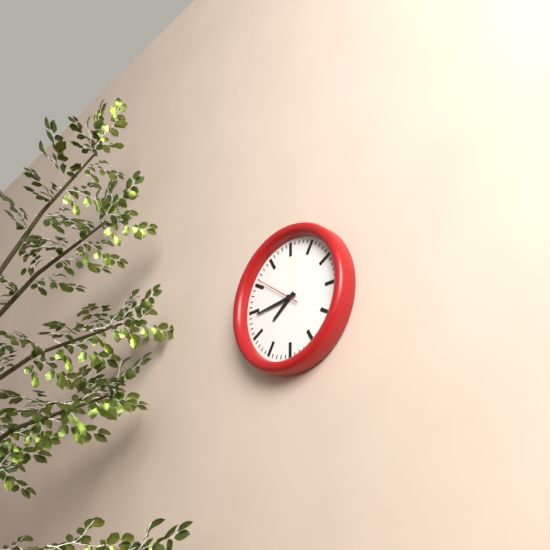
7:44:51
